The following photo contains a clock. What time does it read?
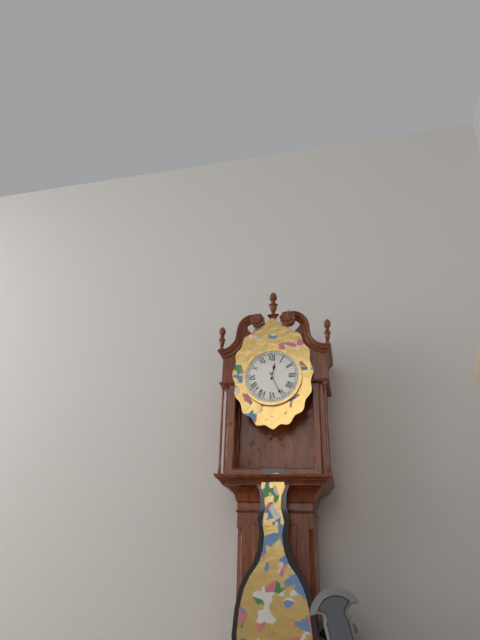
12:26
